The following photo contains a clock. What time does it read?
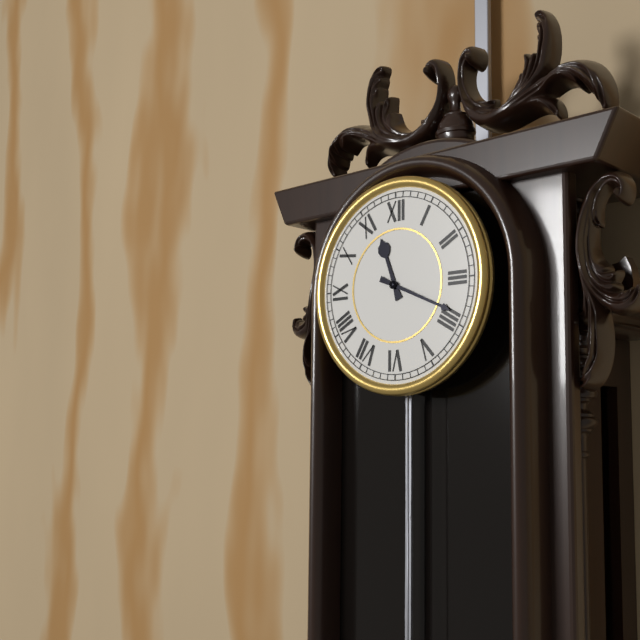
11:19
